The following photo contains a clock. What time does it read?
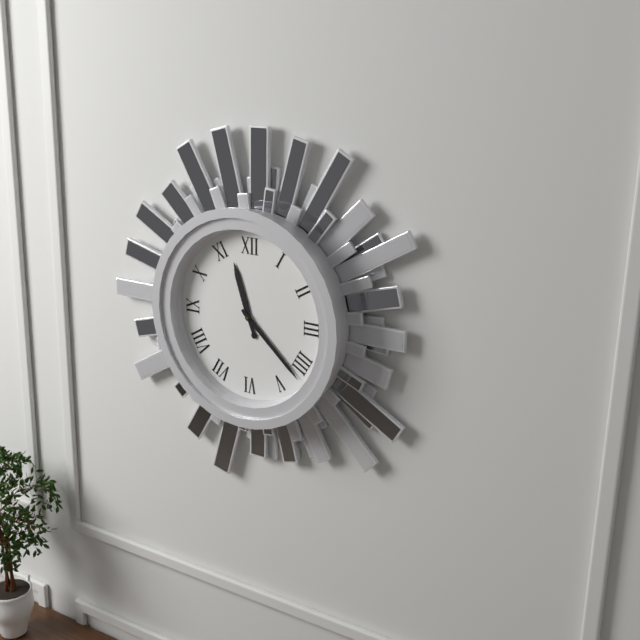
11:22
